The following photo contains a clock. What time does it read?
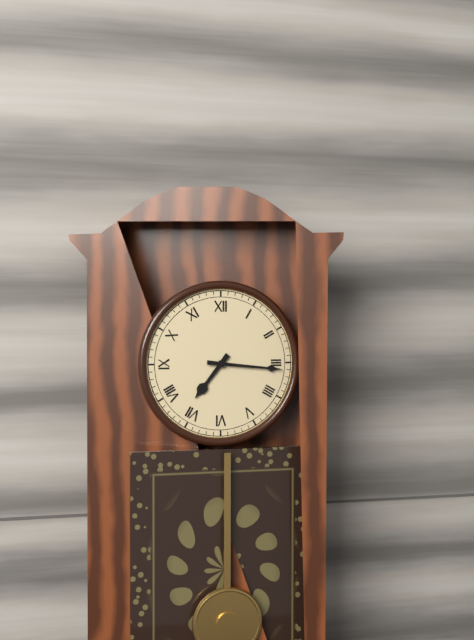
7:16
